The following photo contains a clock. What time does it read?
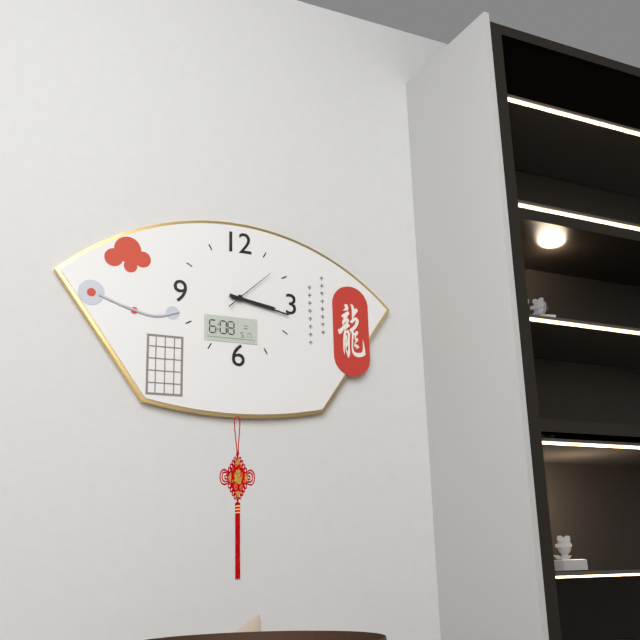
3:17:08
